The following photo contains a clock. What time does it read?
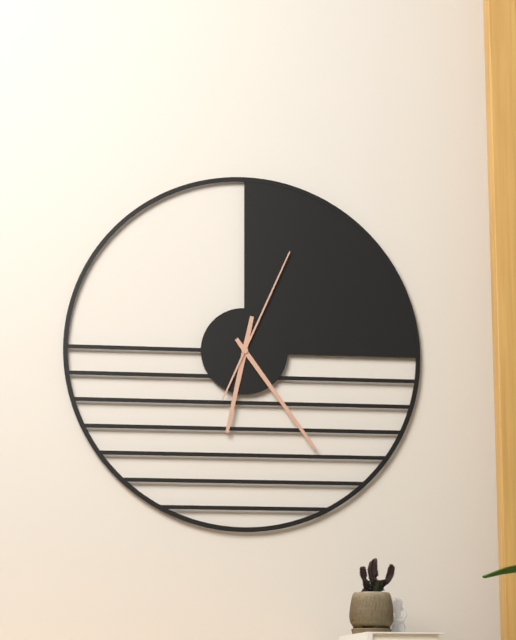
6:24:04
